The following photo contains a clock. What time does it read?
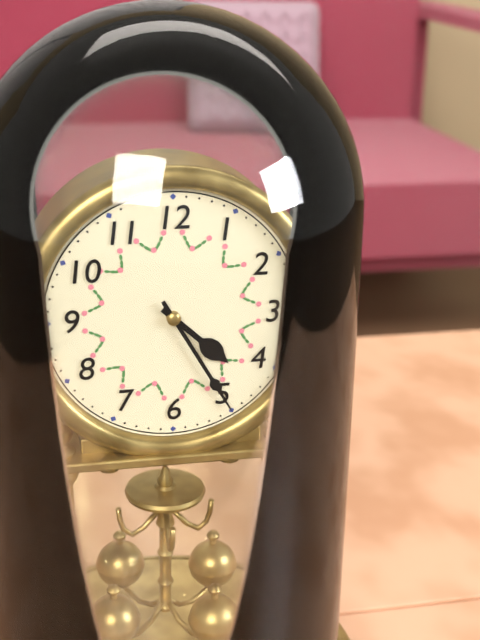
4:25
